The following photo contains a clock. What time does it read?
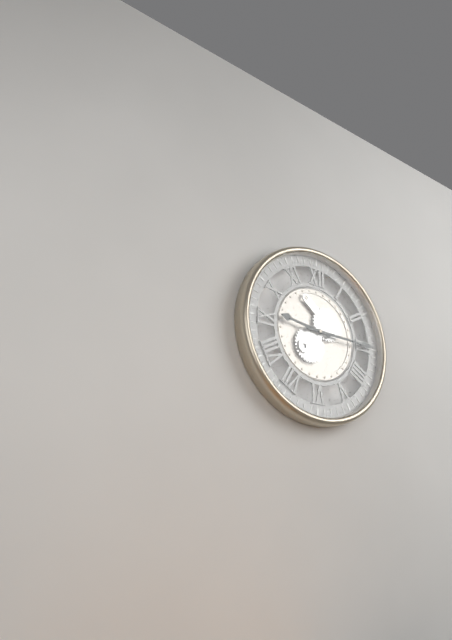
9:15
